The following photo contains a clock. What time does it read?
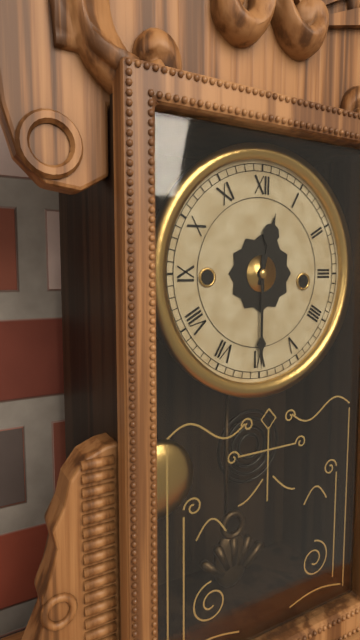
12:30
